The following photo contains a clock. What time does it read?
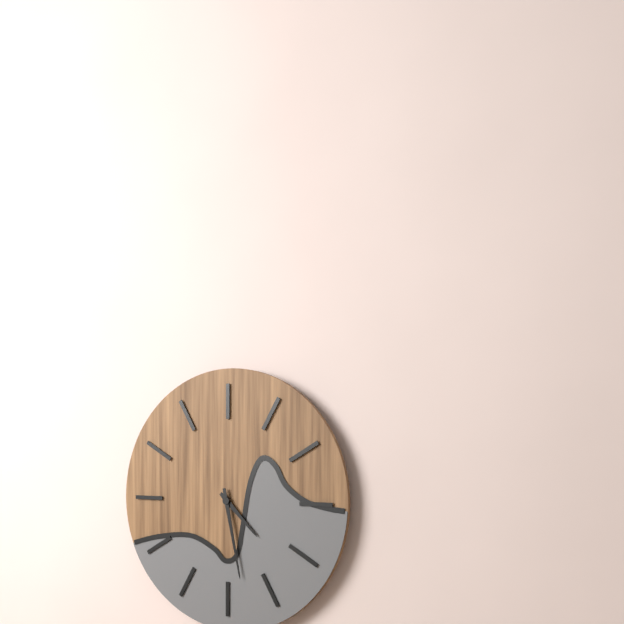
4:28
